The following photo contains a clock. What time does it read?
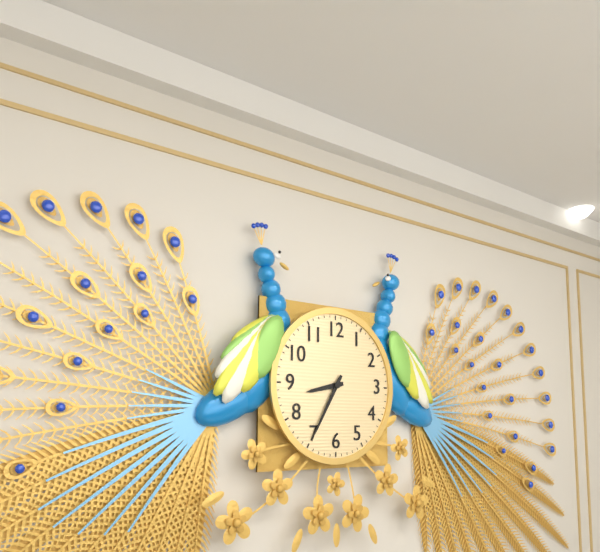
8:35
